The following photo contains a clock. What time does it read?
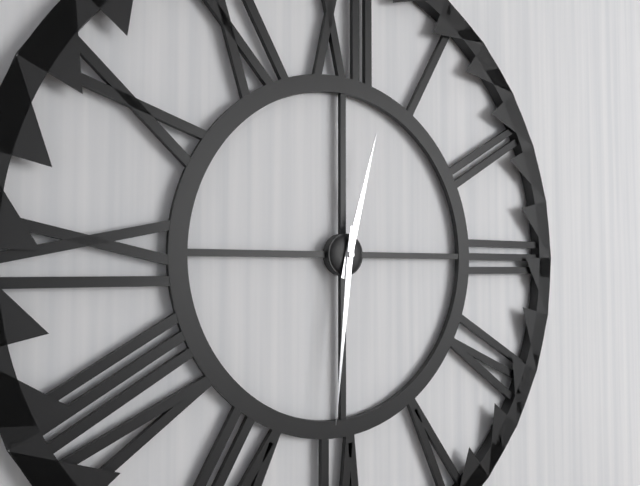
12:31
